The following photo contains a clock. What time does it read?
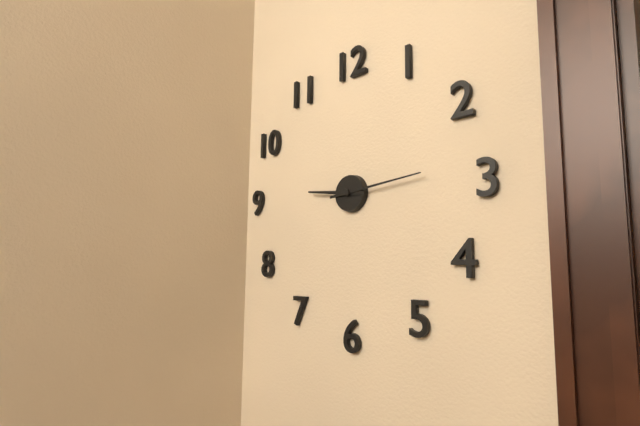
9:14
